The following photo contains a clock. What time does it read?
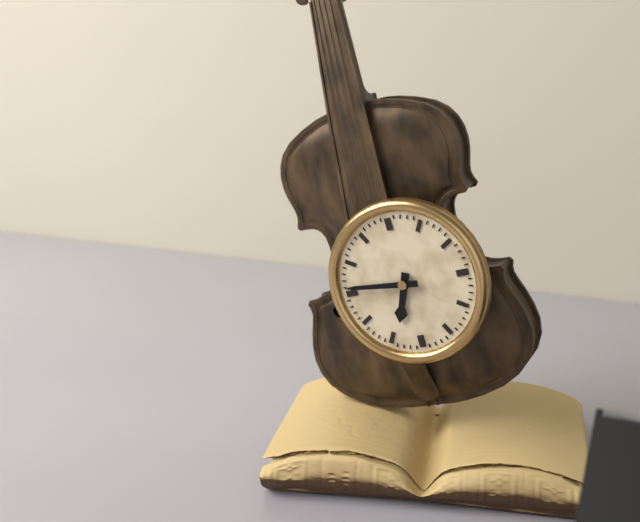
6:46
